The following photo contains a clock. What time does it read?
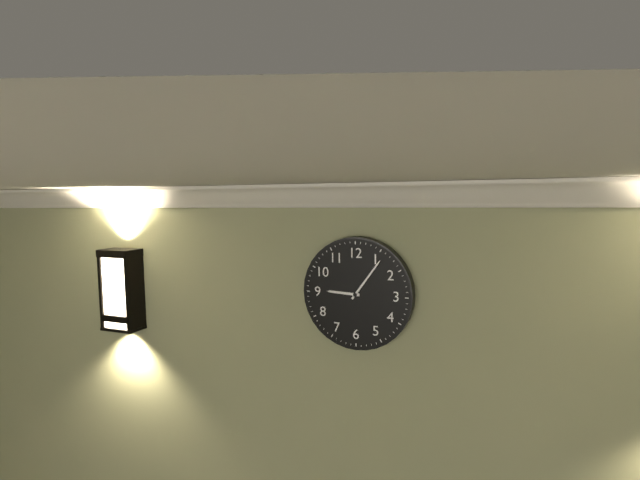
9:06
